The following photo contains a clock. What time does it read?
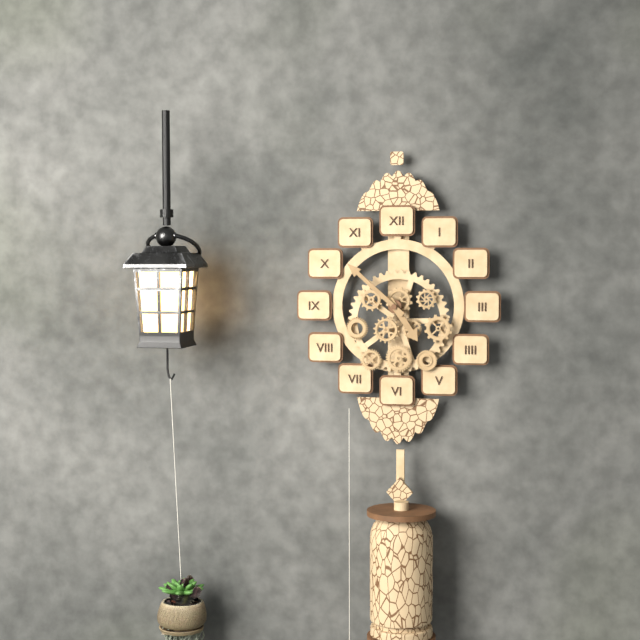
4:52
